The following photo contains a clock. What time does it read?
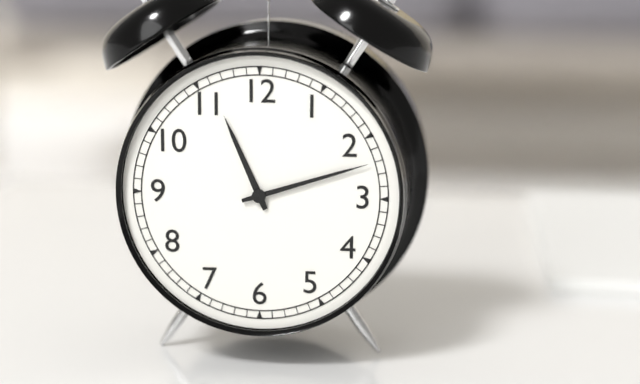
11:12
